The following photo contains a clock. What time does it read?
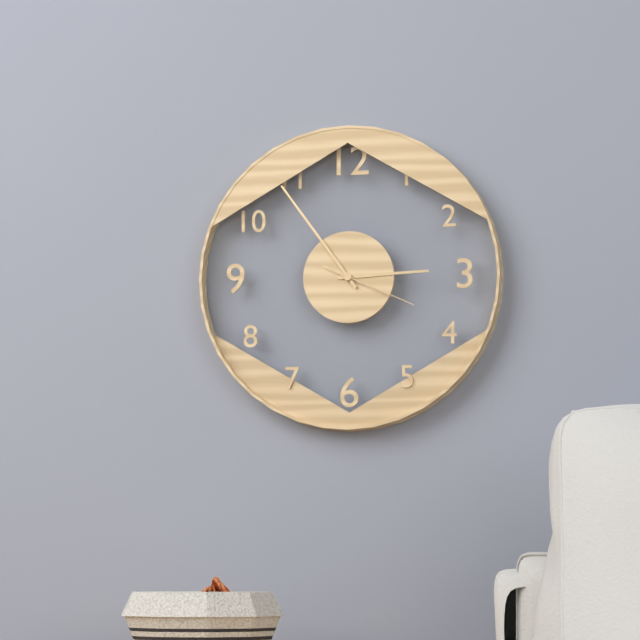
2:54:19
